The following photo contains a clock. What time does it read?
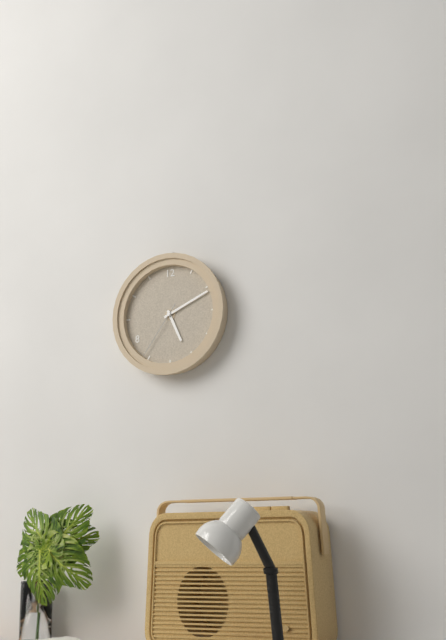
5:11:36
